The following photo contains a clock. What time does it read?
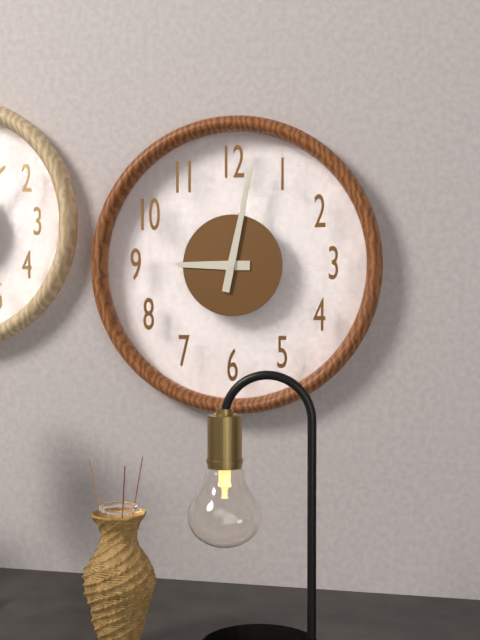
9:02
